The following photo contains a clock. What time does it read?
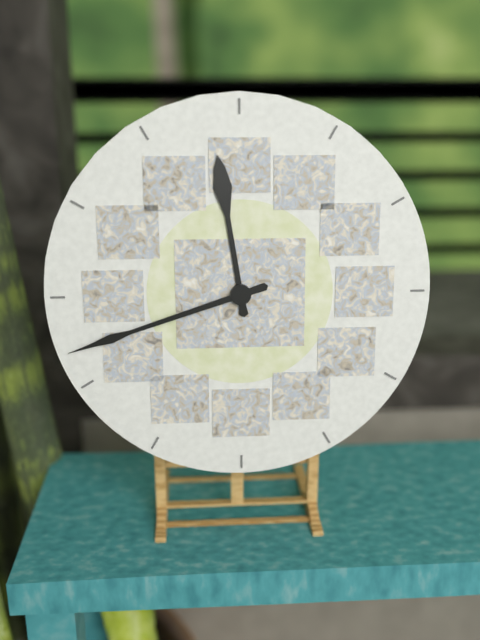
11:42
